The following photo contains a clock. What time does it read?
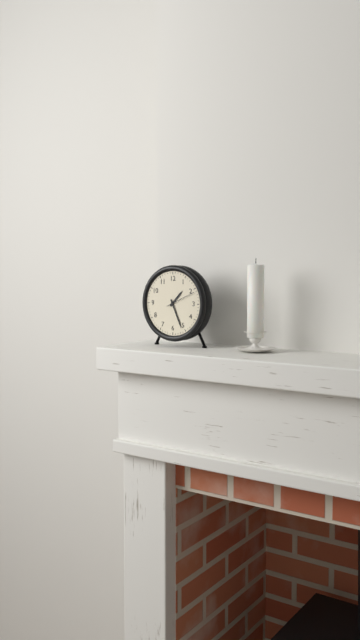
1:26
